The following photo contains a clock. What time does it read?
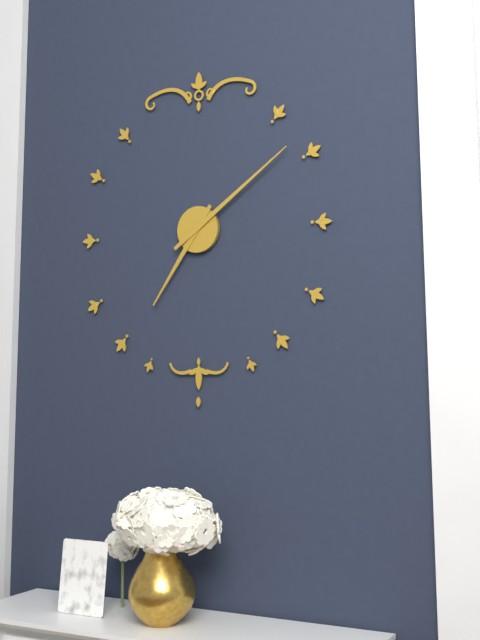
7:09
